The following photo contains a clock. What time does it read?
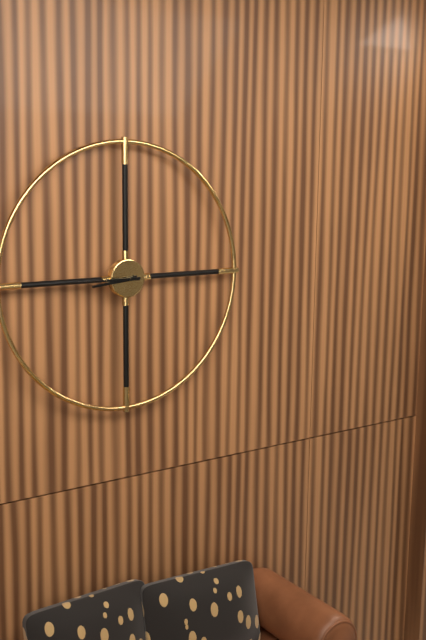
8:45
